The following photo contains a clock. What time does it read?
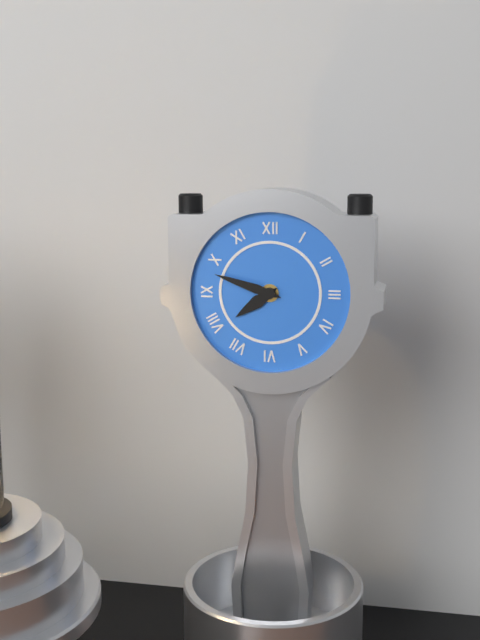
7:48
